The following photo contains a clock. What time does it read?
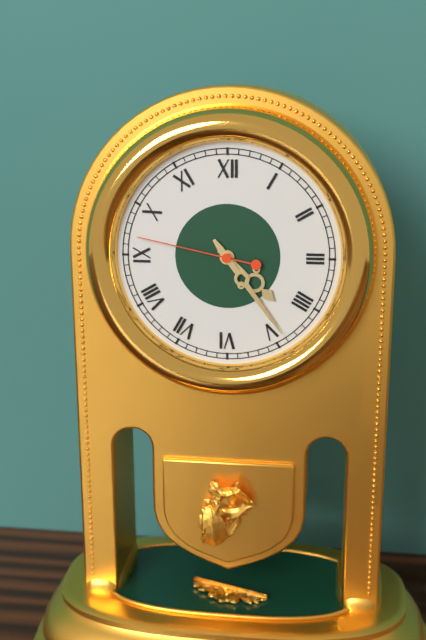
4:24:47
